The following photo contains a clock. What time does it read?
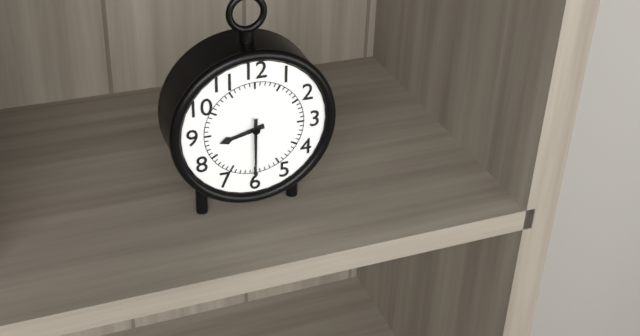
8:30
